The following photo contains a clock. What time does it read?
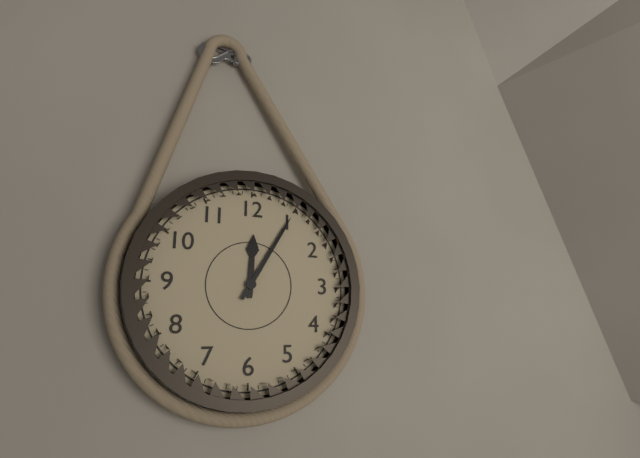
12:05
